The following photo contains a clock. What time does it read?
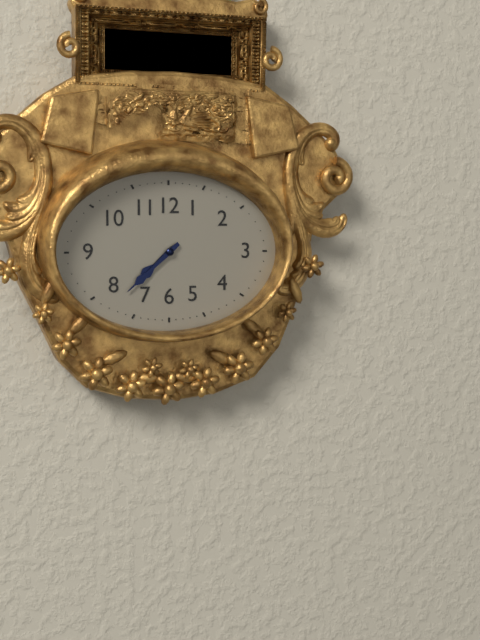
7:38
